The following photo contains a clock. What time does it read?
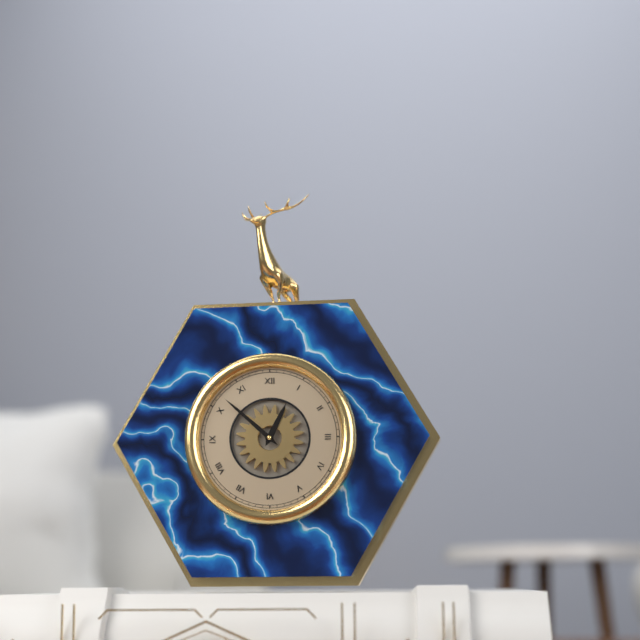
12:52
